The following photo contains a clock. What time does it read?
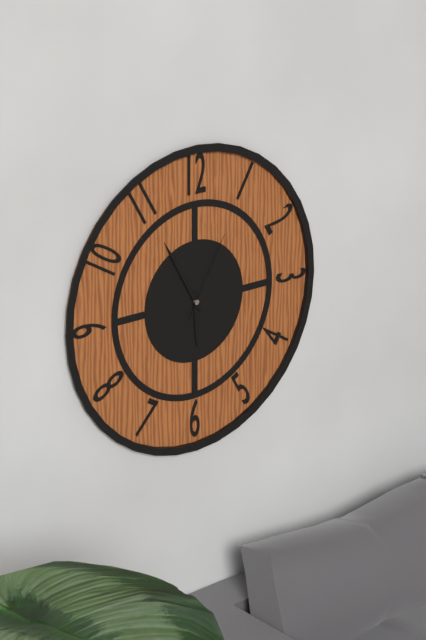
5:55:05
